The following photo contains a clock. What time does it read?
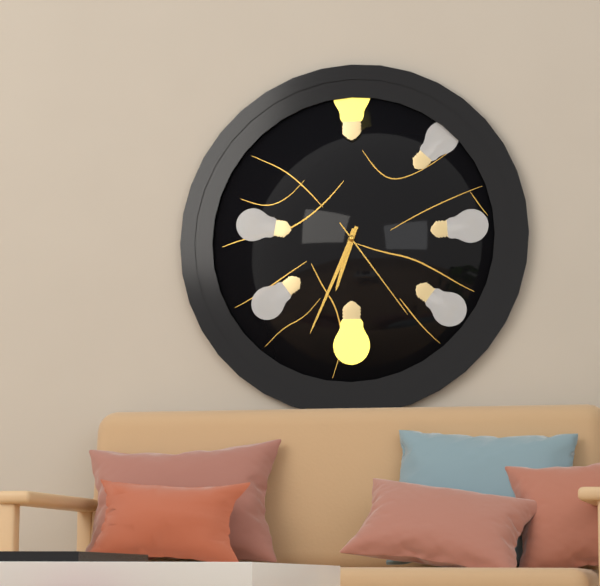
6:34:24
